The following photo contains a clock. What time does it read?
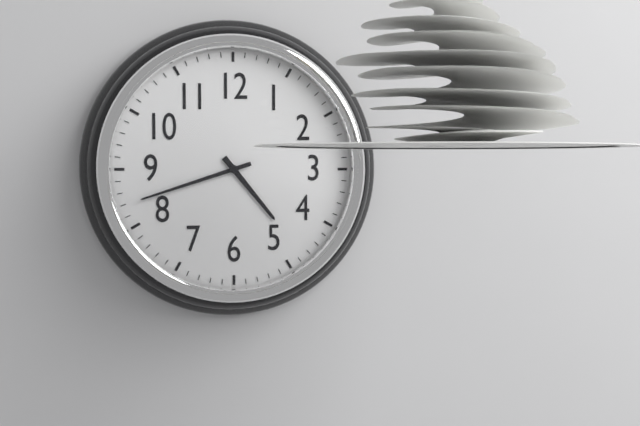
4:42
